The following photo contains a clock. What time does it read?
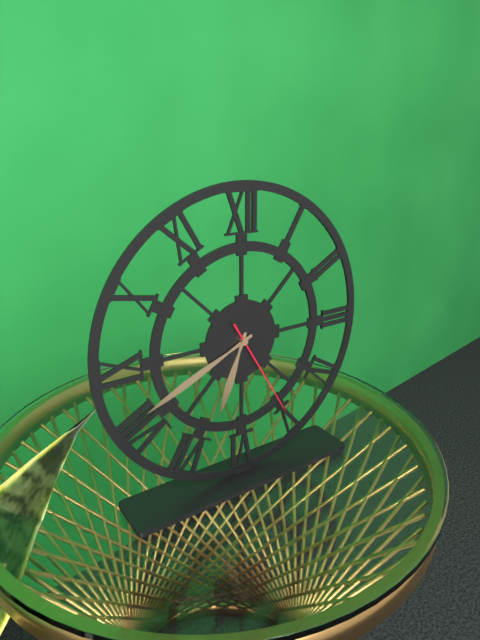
6:41:25
